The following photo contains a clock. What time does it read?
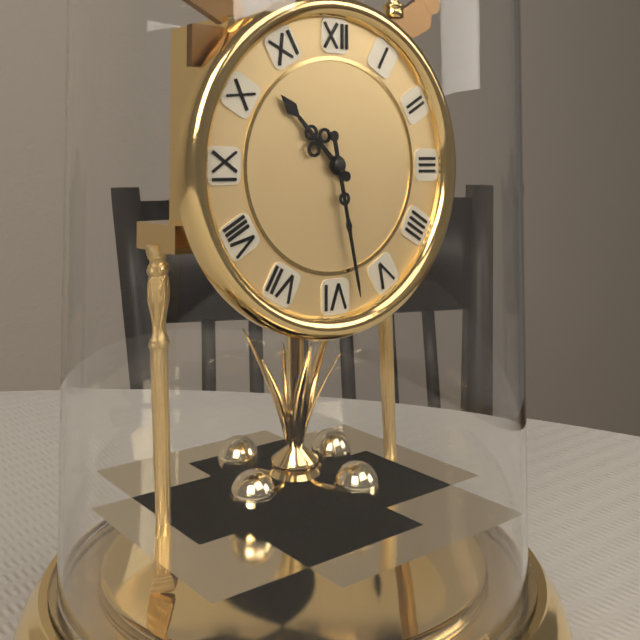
10:28
